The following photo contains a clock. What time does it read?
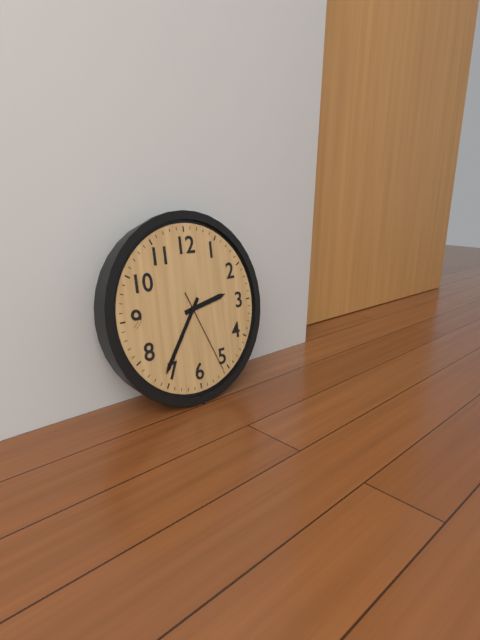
2:36:26
